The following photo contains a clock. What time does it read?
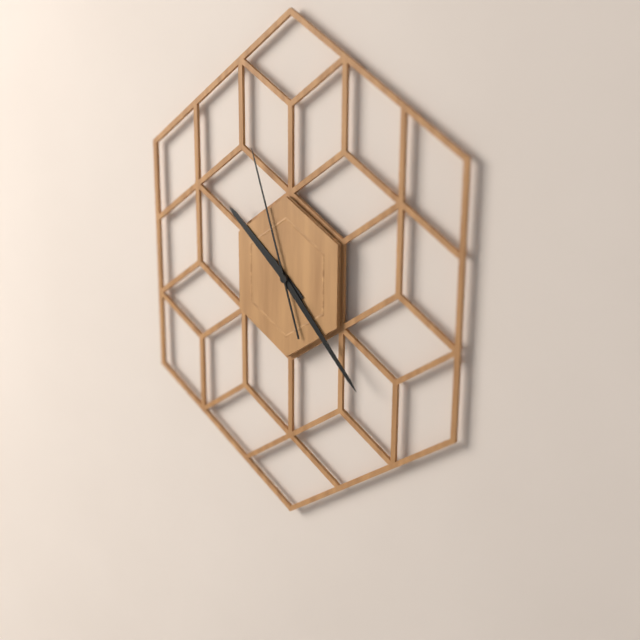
10:23:57
